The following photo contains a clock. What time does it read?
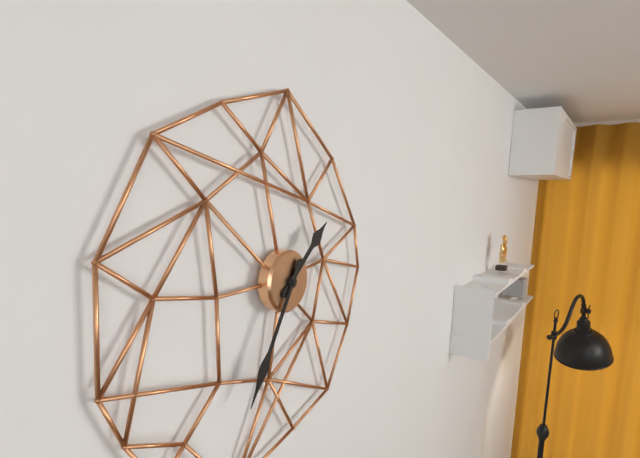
1:35
